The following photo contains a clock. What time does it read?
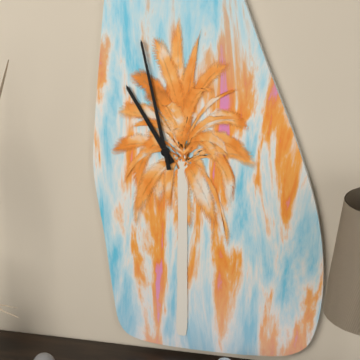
10:58
